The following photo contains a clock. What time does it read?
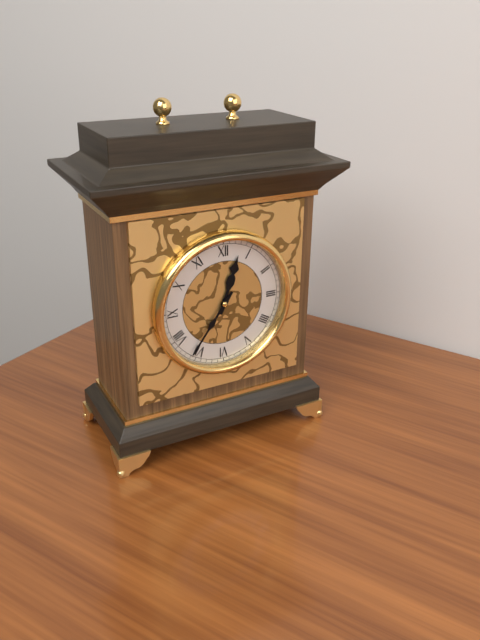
12:36
